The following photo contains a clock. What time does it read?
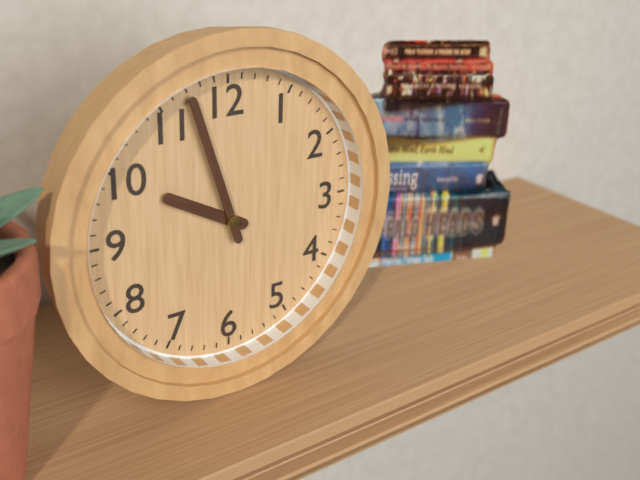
9:57
